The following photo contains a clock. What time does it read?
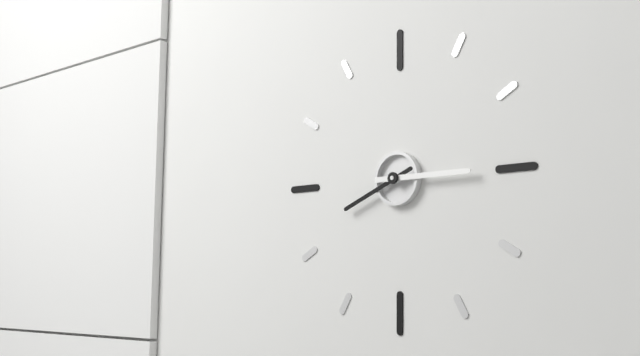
8:15
